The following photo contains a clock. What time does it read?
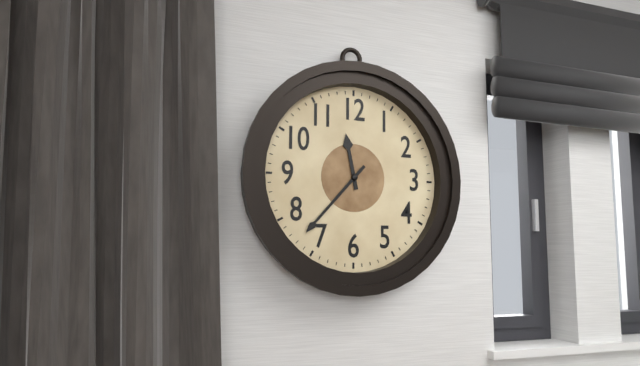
11:37
